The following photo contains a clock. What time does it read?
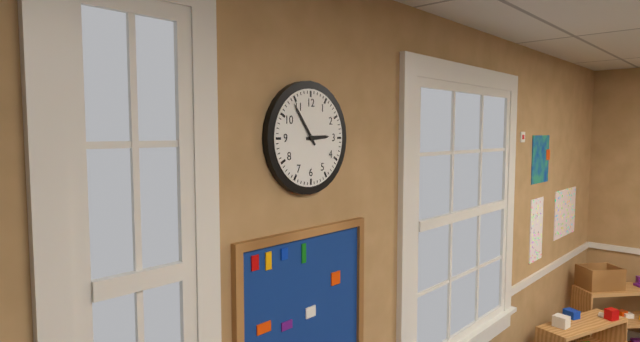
2:54
